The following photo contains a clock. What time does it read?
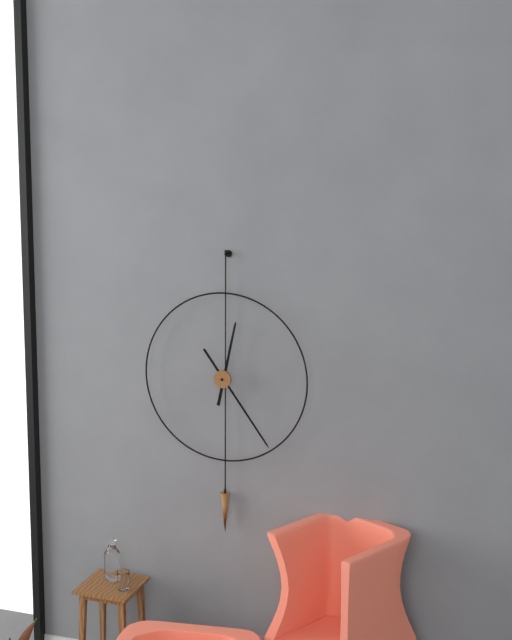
12:24
